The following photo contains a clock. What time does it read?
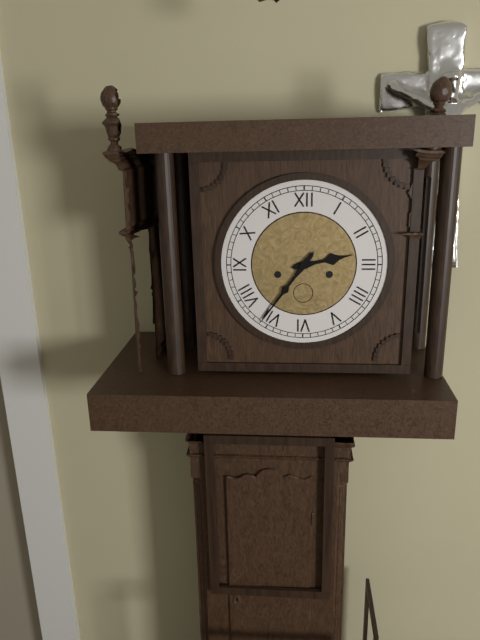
2:36
